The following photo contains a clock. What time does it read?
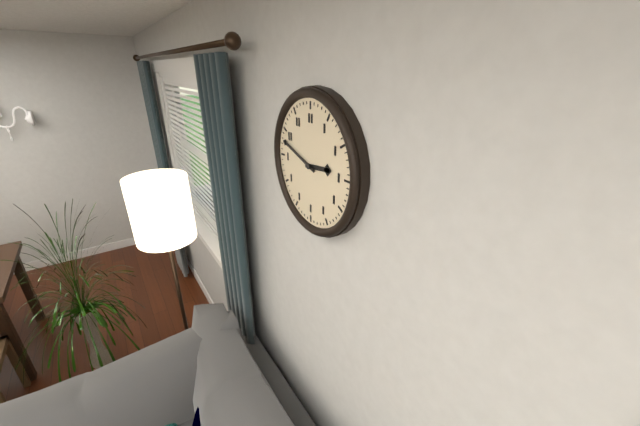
2:48
